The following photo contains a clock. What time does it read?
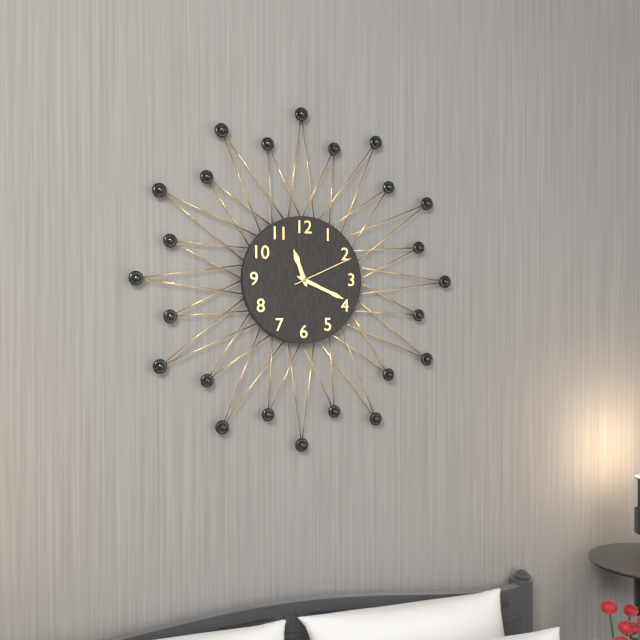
11:19:11
